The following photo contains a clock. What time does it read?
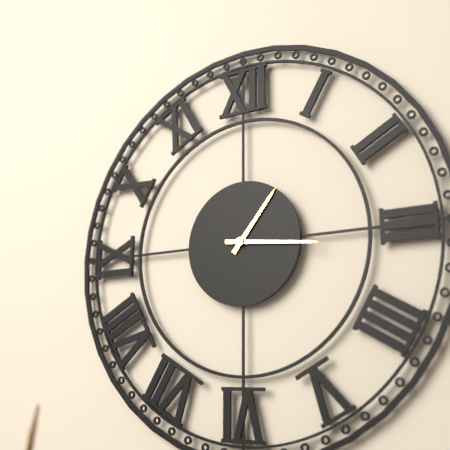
1:16
